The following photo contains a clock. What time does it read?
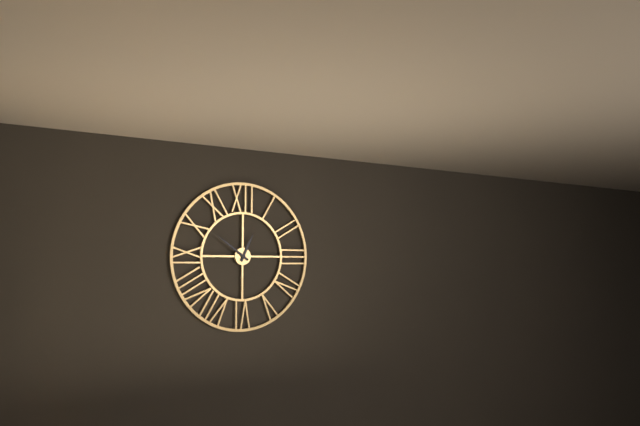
12:51
